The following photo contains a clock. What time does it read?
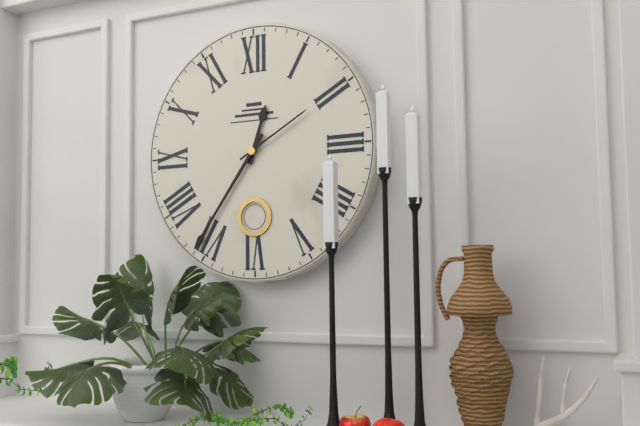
12:36:10
